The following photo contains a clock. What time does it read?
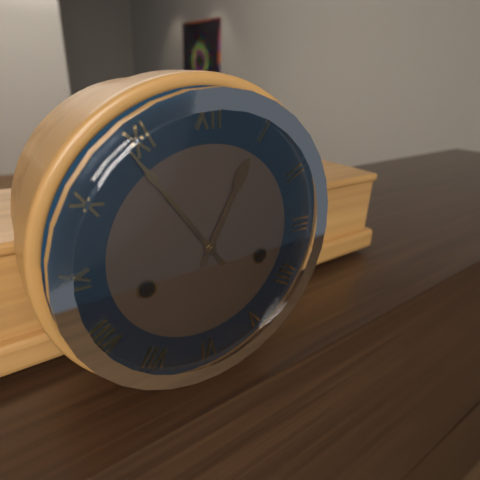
12:54
